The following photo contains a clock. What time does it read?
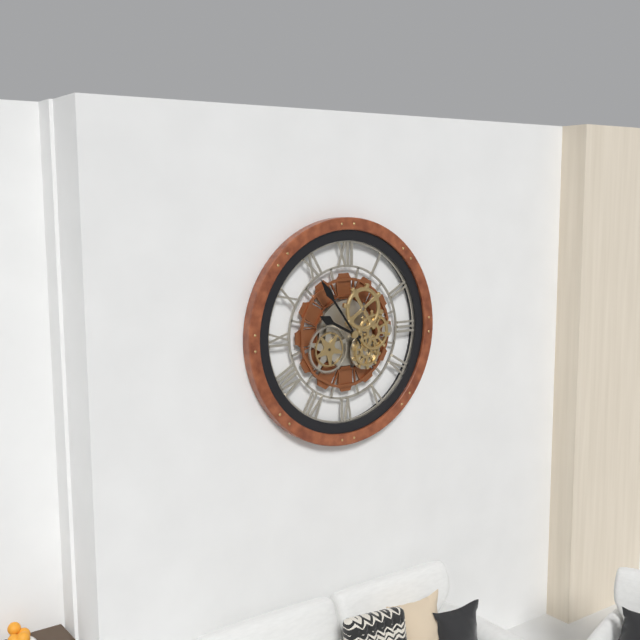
9:54
